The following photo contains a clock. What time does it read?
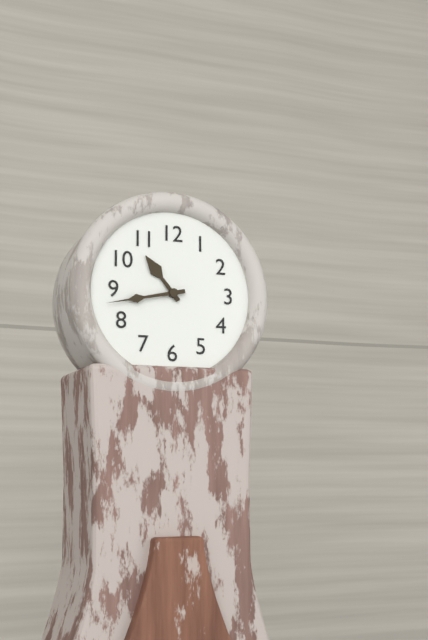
10:43
